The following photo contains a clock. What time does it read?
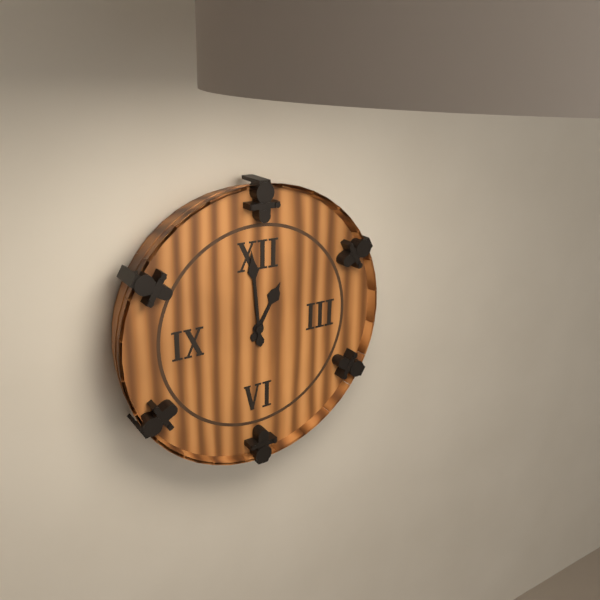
12:59
